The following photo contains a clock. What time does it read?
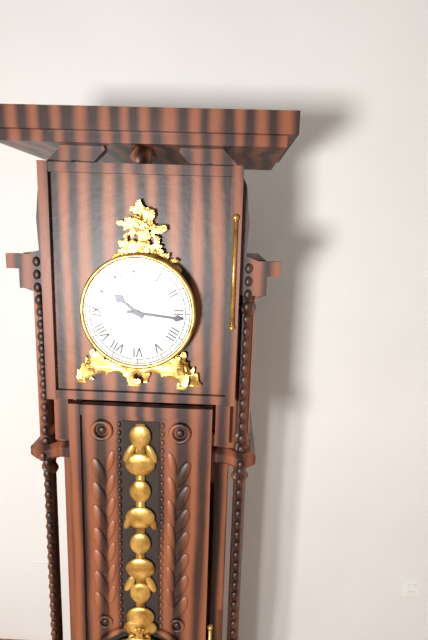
10:16
